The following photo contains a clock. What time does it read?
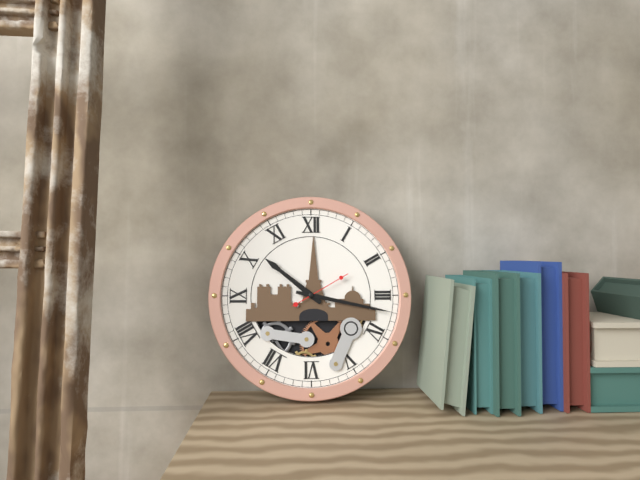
10:17:10
